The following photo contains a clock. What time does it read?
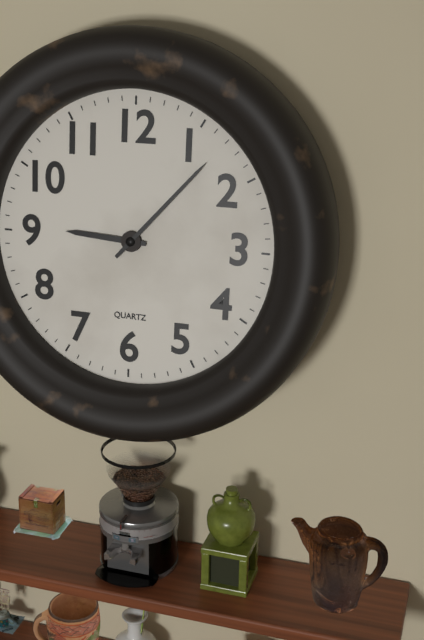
9:07
